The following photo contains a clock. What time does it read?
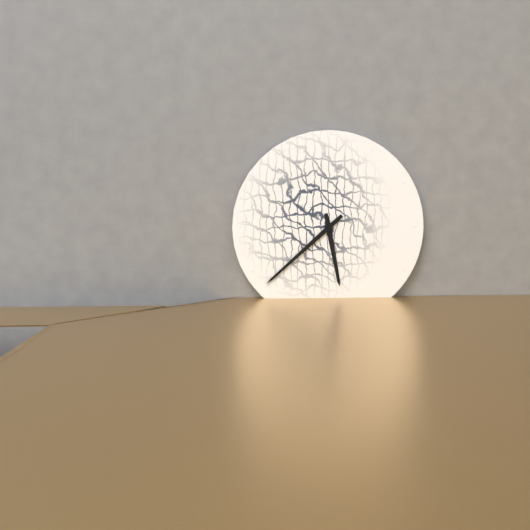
5:38
